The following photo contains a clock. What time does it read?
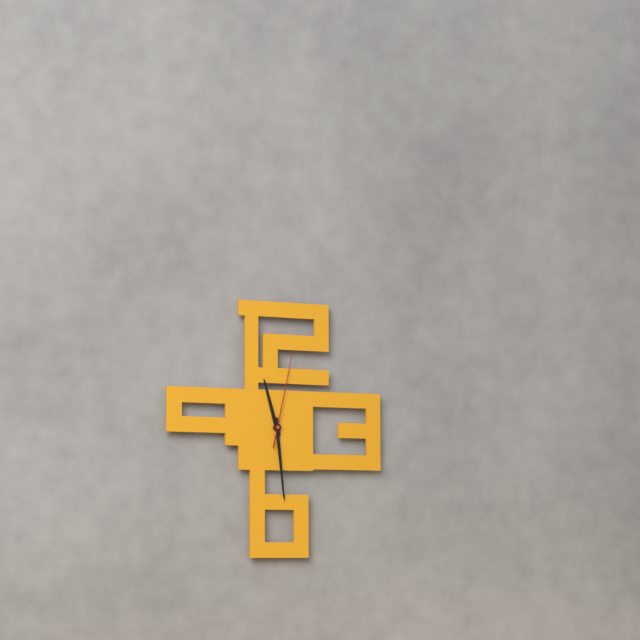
11:29:02
